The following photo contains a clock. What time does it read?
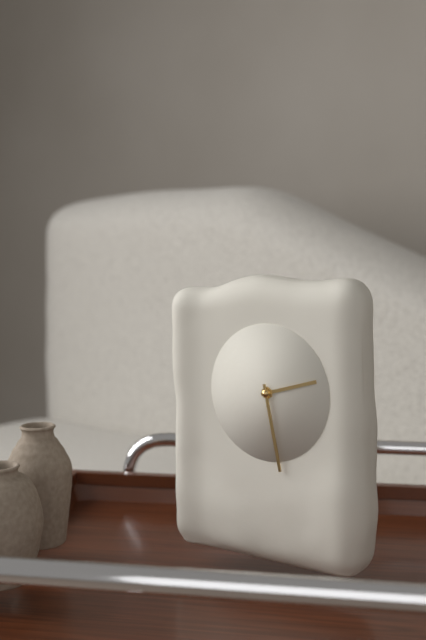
2:28
